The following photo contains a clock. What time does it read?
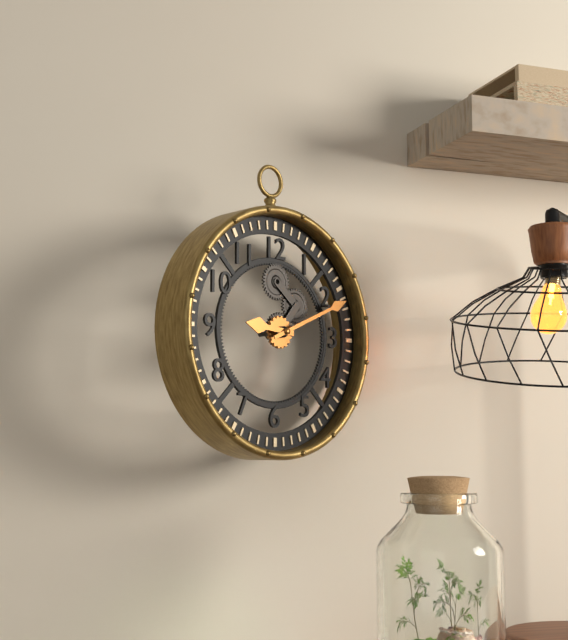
9:11
